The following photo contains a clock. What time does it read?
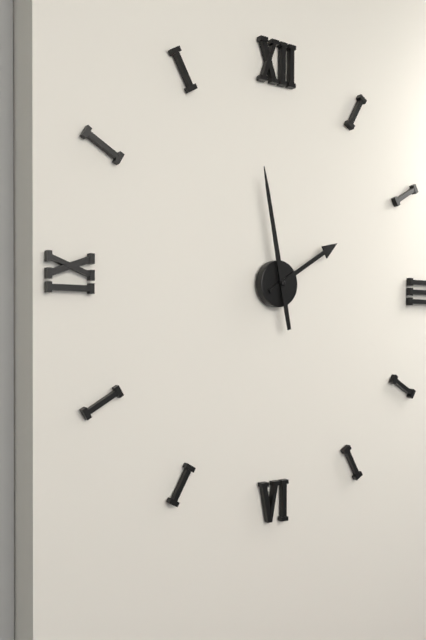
1:58
